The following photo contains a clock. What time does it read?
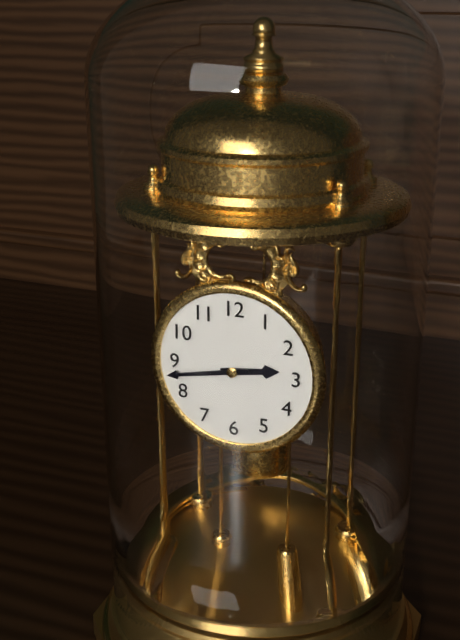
2:43
